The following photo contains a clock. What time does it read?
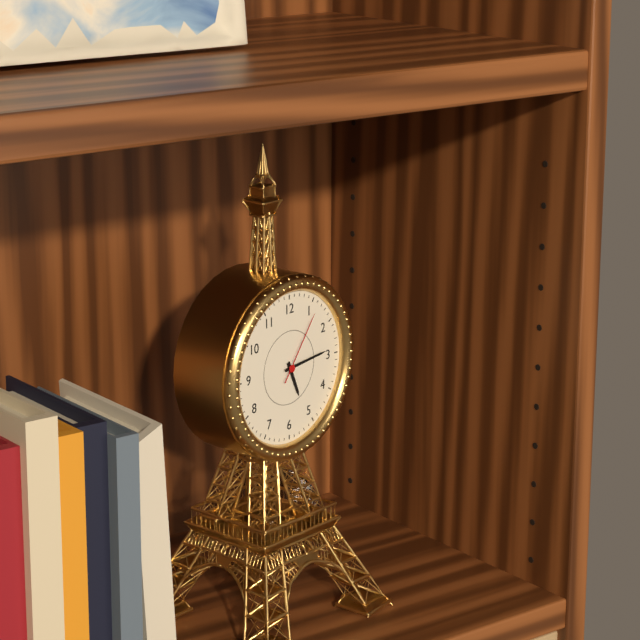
5:14:06
